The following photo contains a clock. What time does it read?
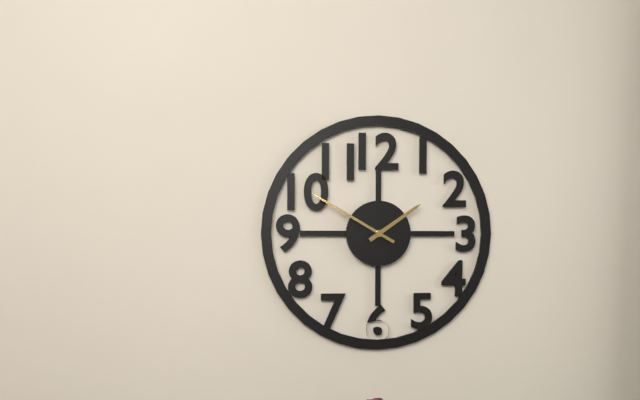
1:50
